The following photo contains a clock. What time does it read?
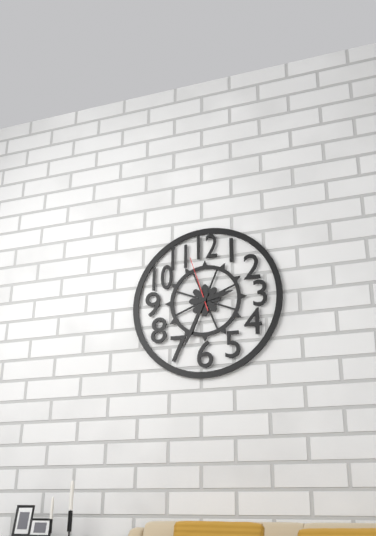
2:34:57
